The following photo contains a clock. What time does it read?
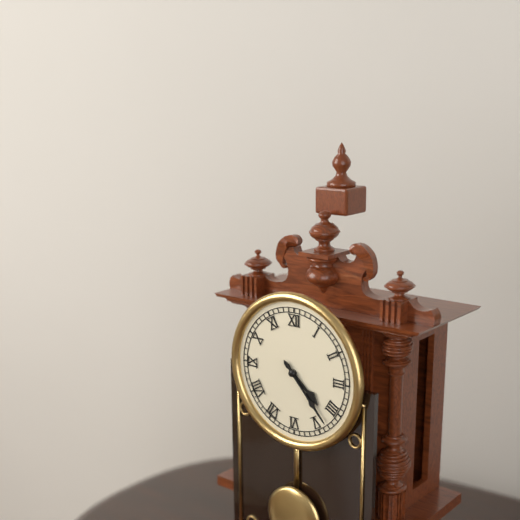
4:23
